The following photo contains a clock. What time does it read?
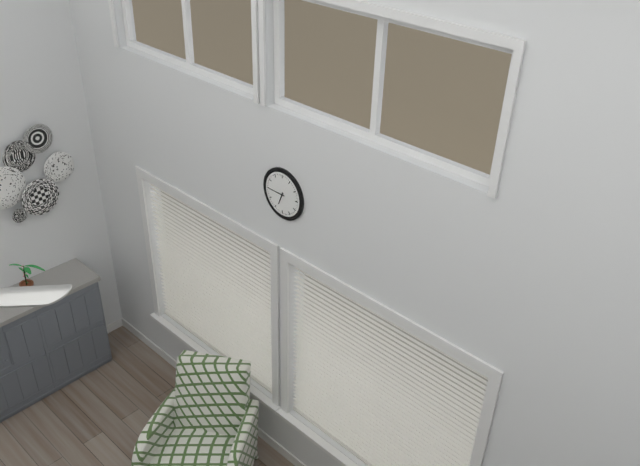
6:45
